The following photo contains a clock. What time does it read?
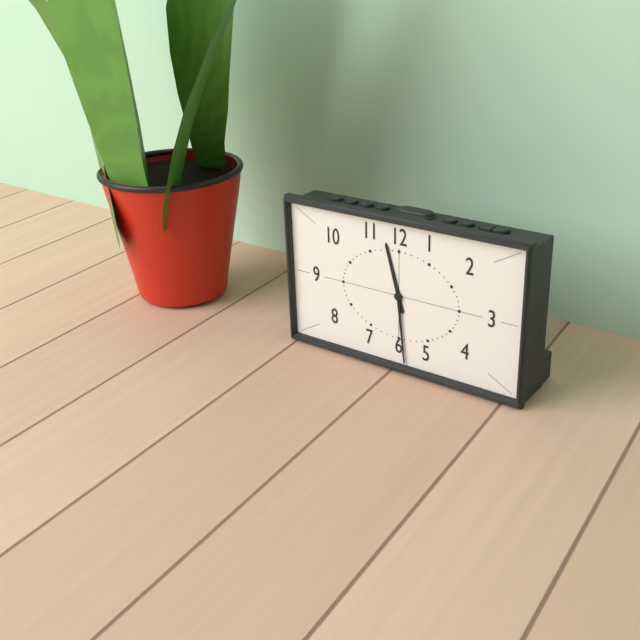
11:29
